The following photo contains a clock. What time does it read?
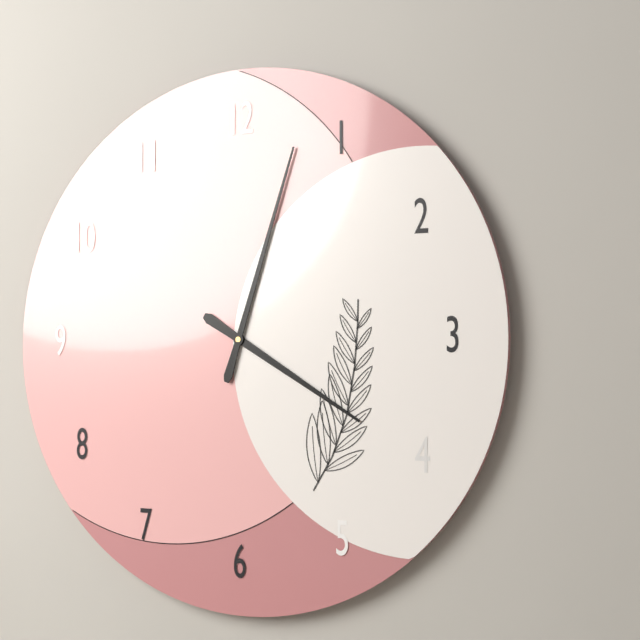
4:03
